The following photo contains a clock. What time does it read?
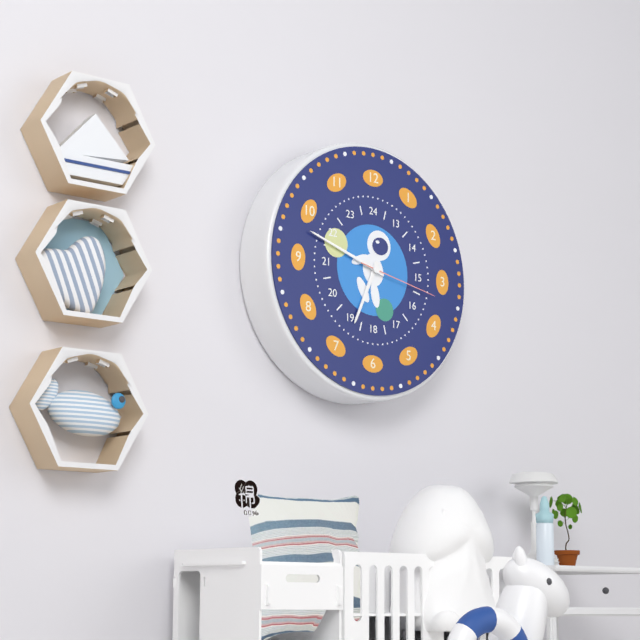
6:48:17
